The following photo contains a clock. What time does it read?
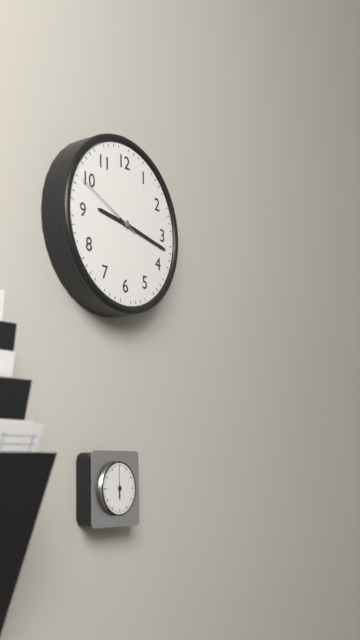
9:17:49
